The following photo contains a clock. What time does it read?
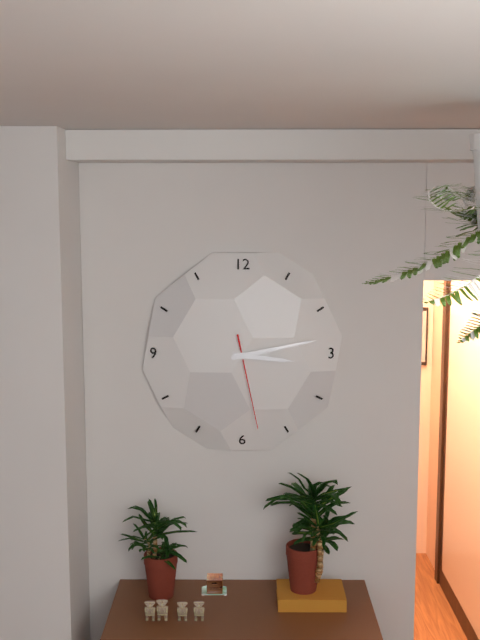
3:13:28
